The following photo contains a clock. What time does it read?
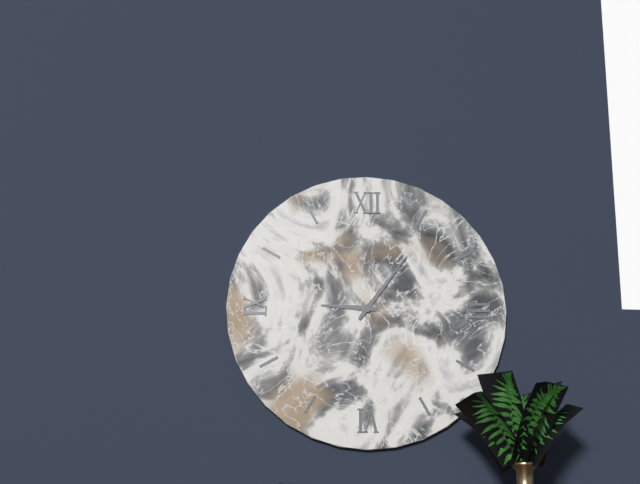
9:06
